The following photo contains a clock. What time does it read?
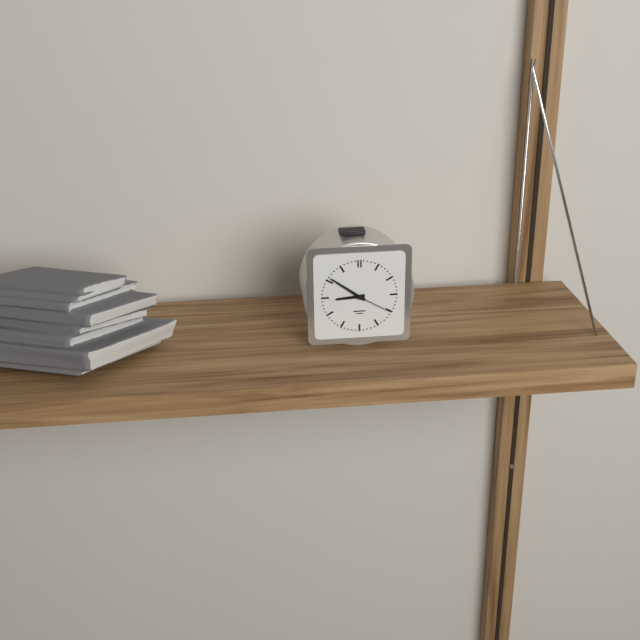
8:51
